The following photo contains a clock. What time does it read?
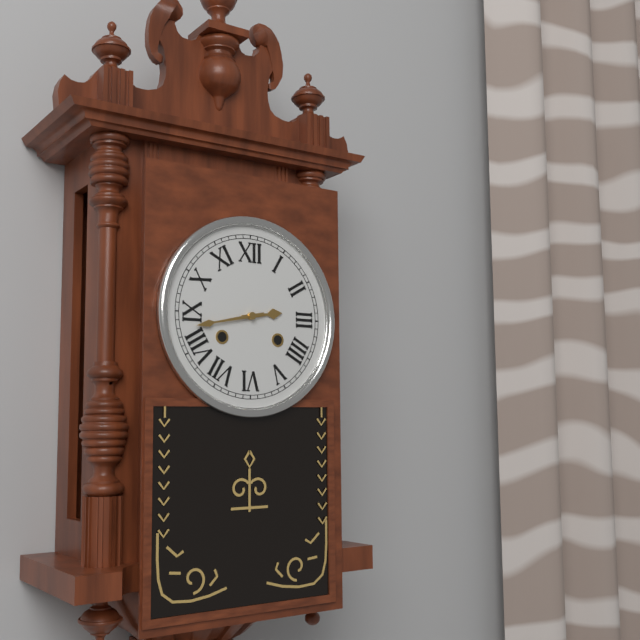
2:43
